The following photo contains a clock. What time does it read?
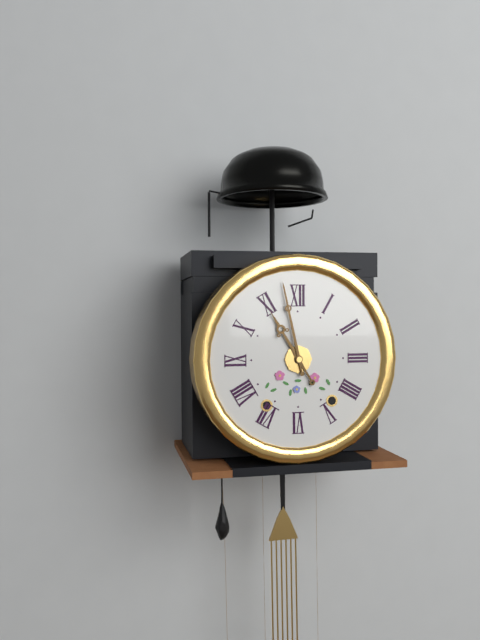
10:58
